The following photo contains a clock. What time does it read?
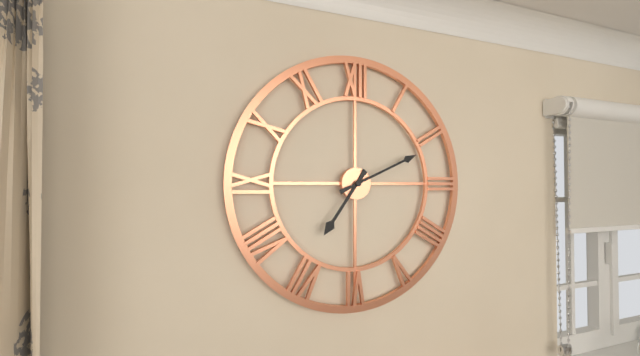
7:11
